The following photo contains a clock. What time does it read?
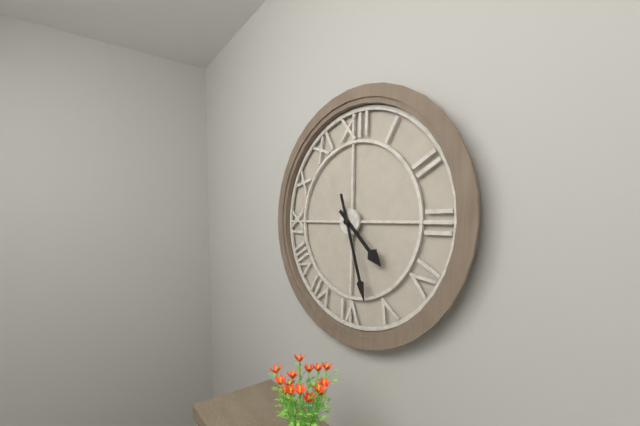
4:27
